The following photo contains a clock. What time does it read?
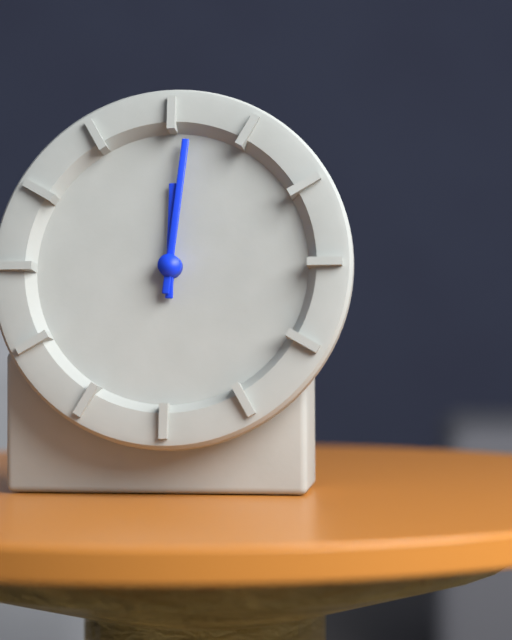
12:01
